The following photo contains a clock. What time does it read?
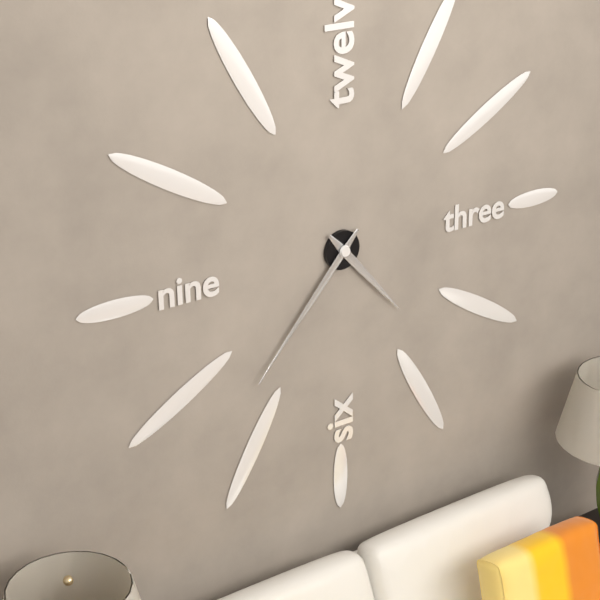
4:37
